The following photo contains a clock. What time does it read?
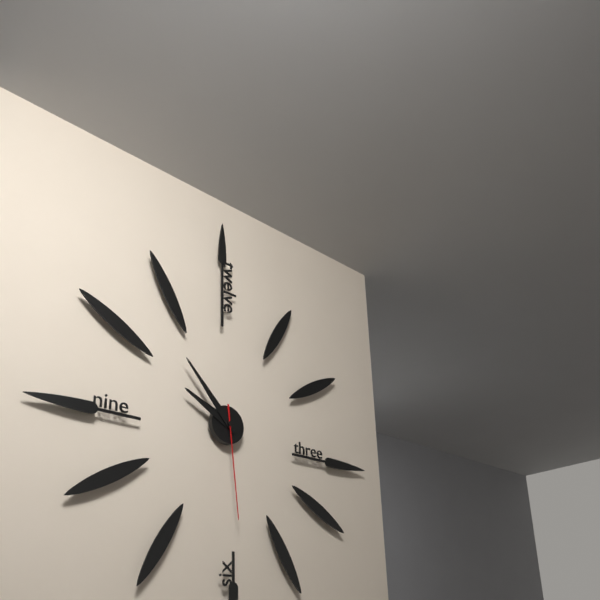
9:53:29
